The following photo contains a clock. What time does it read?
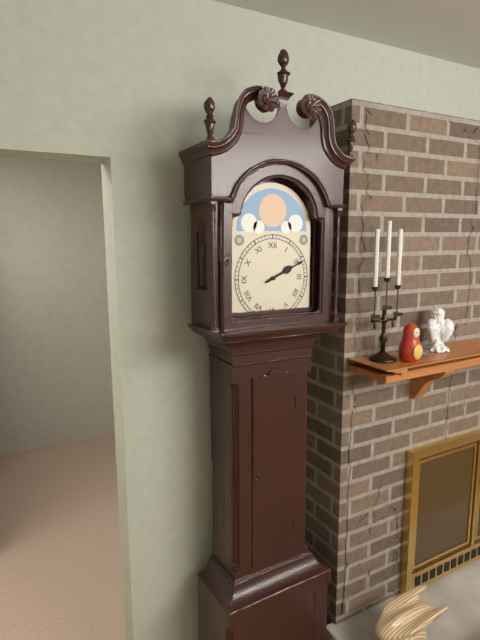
2:11
